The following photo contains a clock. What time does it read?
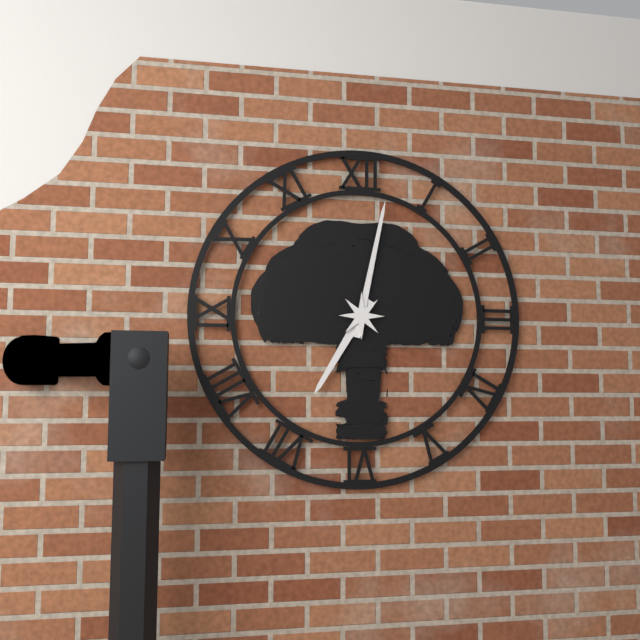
7:02
